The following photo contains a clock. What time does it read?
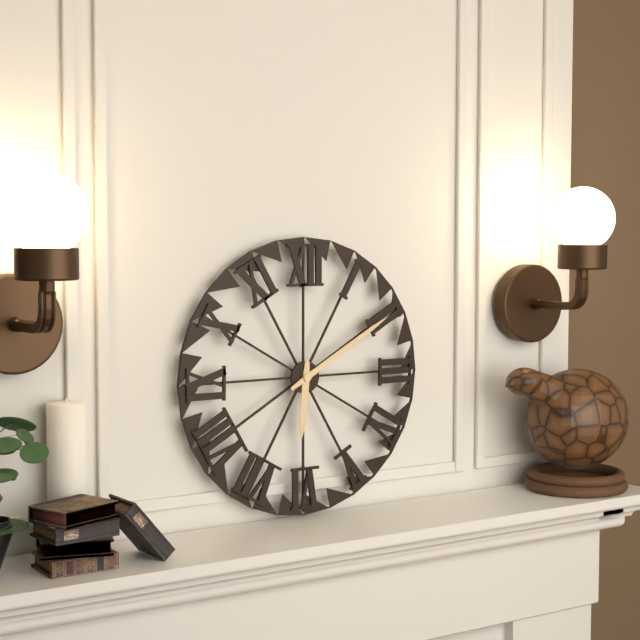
6:10
